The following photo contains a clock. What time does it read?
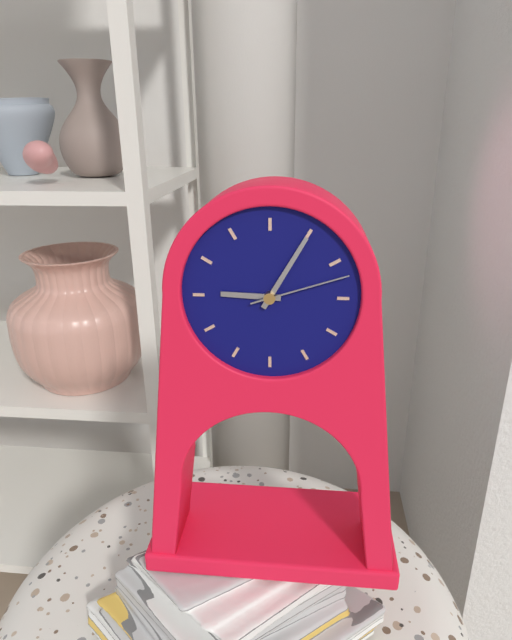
9:05:12
